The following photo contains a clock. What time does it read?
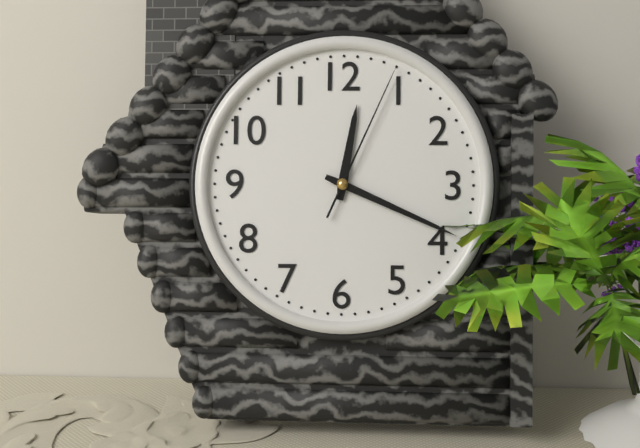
12:19:04
